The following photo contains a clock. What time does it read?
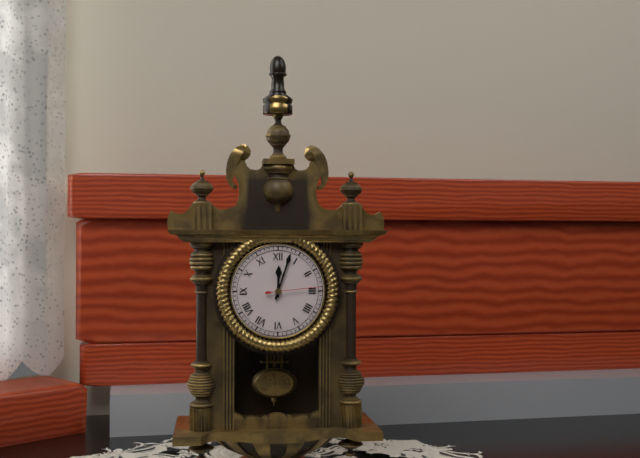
12:03:14
